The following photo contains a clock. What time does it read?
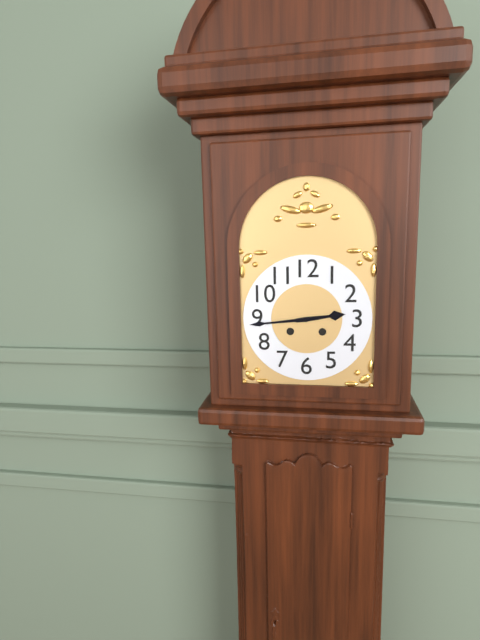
2:44
